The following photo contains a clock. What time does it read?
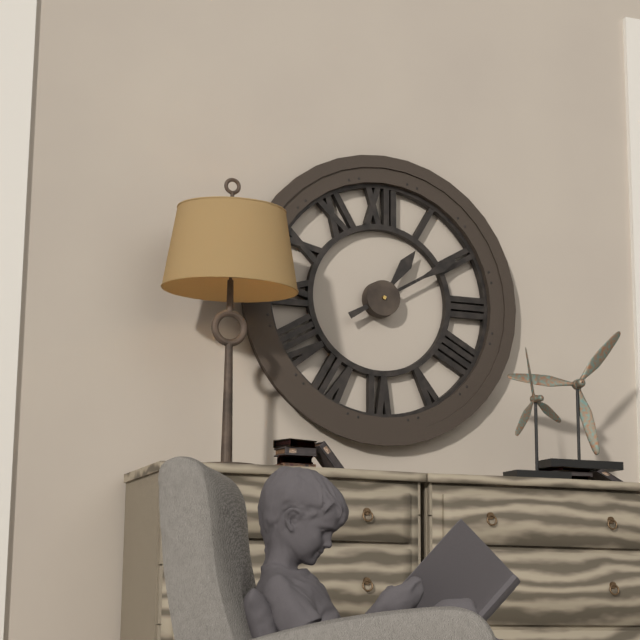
1:10
